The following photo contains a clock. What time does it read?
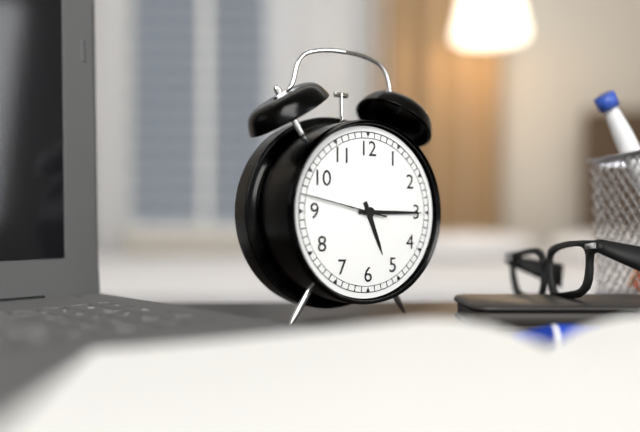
5:15:47
